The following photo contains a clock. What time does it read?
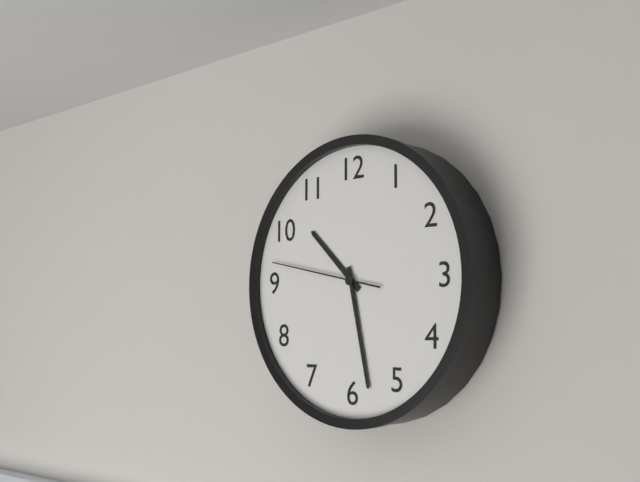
10:28:47
